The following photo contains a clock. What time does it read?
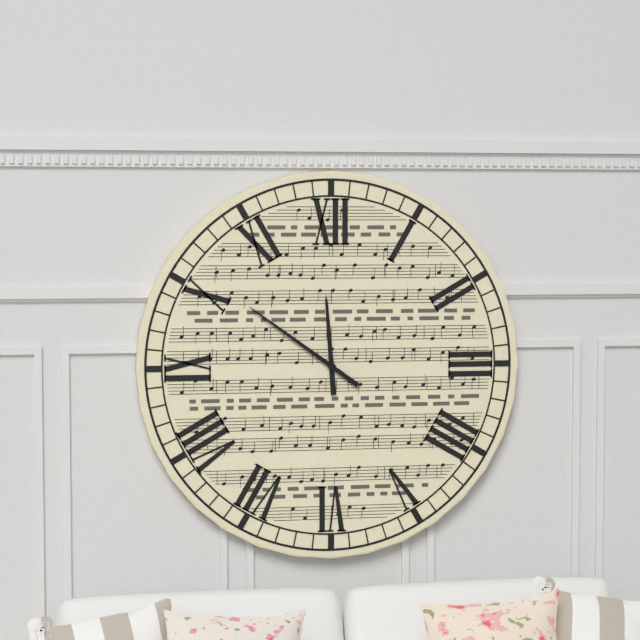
11:51
